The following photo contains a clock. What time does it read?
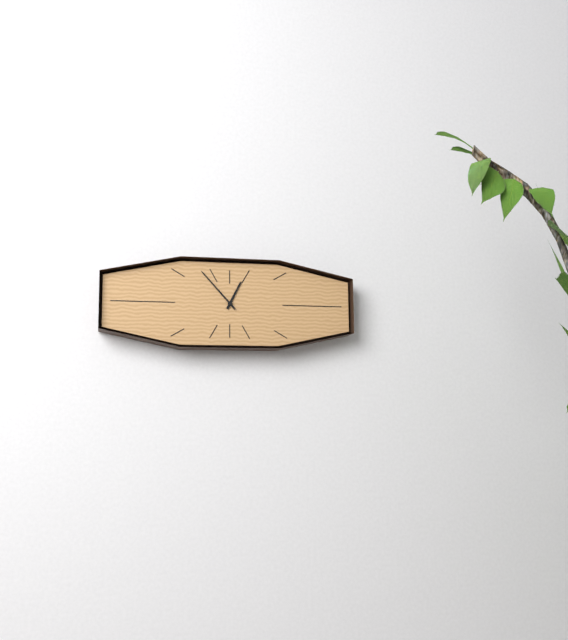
12:53
